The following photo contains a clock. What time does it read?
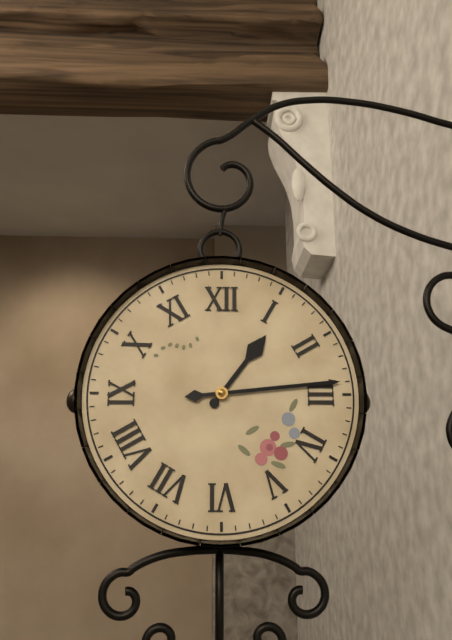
1:14
